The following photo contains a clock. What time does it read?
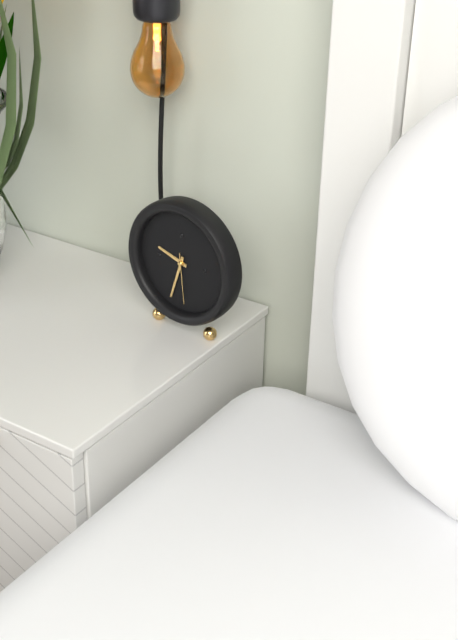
9:33:29
